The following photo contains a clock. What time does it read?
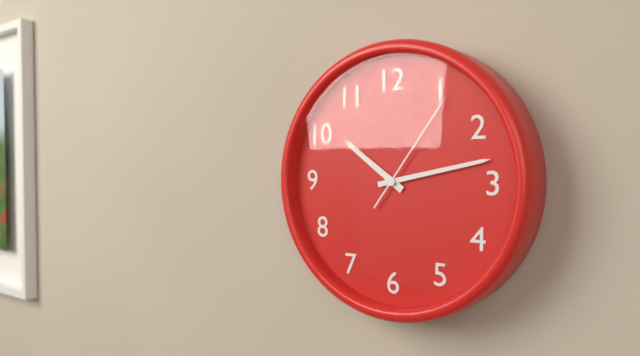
10:13:06
